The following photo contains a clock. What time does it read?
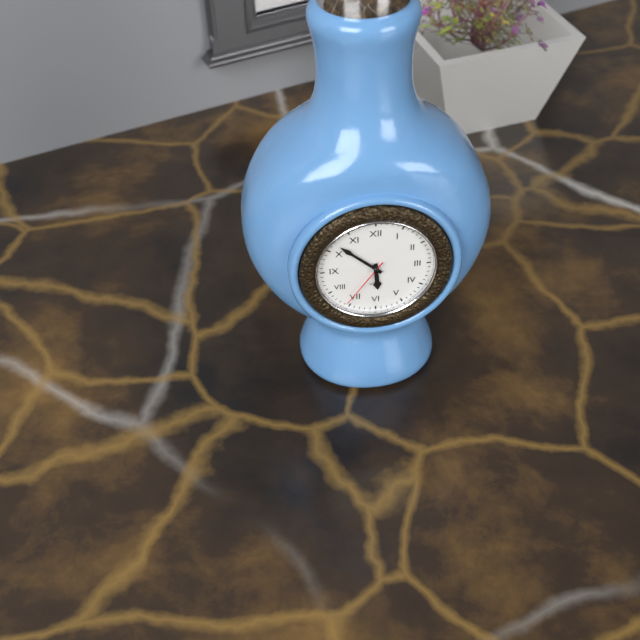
5:52:36
